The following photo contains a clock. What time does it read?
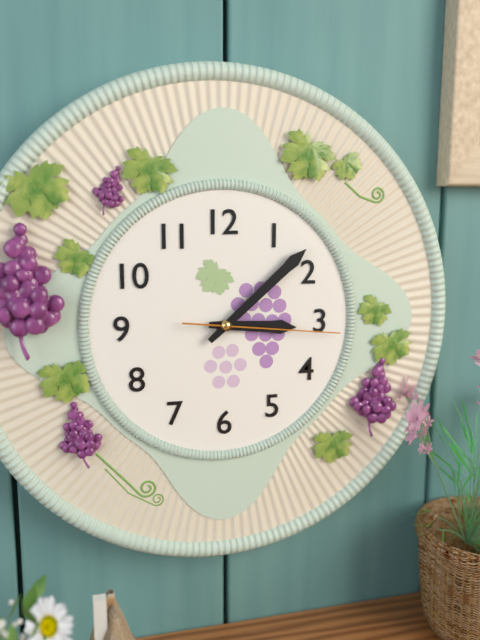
3:08:16
